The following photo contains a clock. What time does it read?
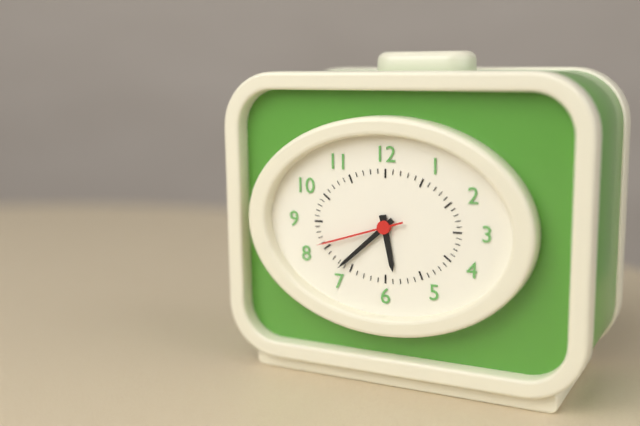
5:38:42
